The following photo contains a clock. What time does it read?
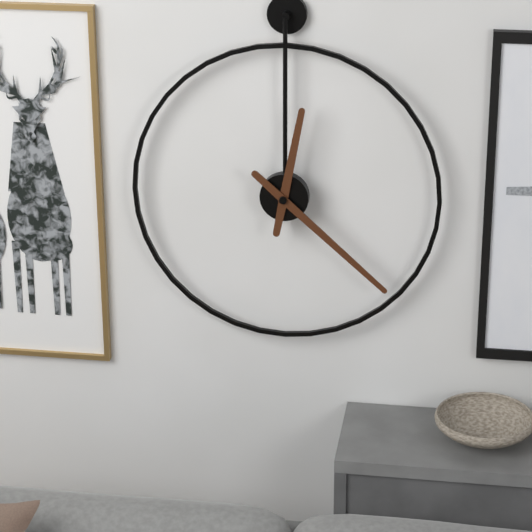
12:22
